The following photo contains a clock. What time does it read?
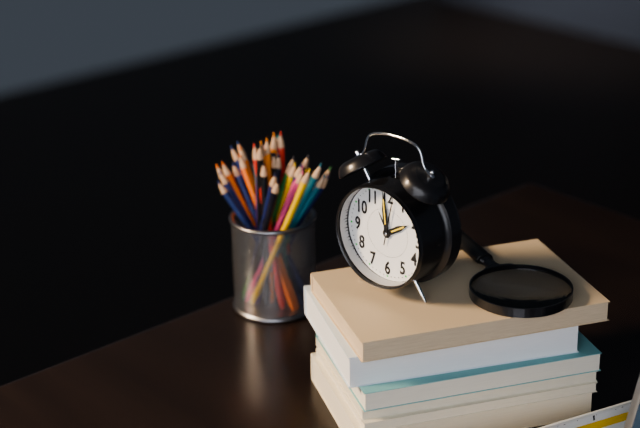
1:59
